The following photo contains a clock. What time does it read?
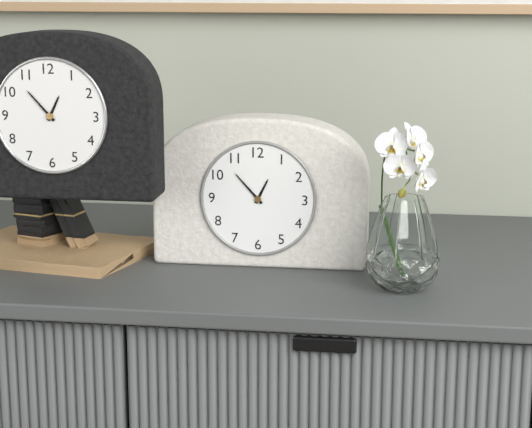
12:53
